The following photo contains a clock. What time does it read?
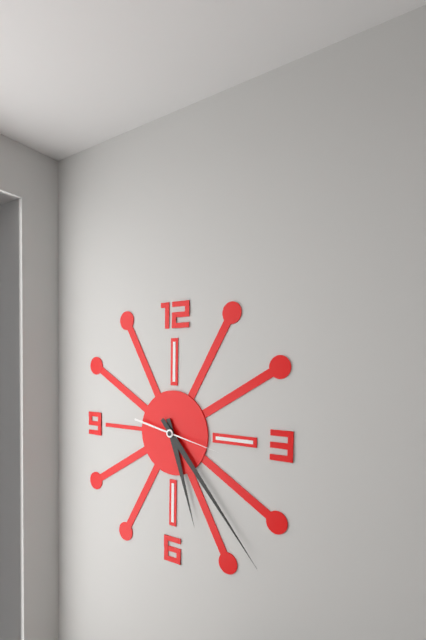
5:23:17
